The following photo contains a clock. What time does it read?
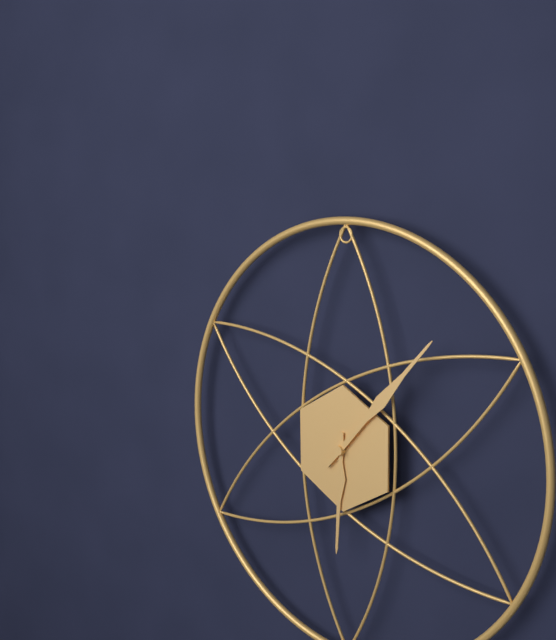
6:07
